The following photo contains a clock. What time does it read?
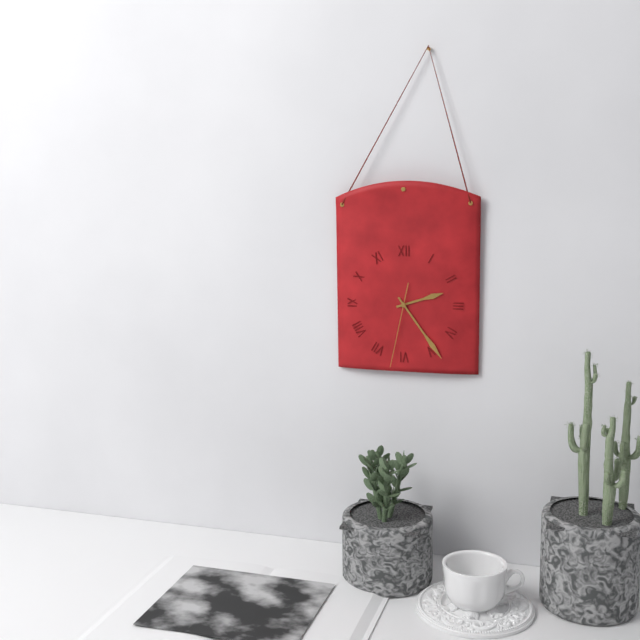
2:24:32
